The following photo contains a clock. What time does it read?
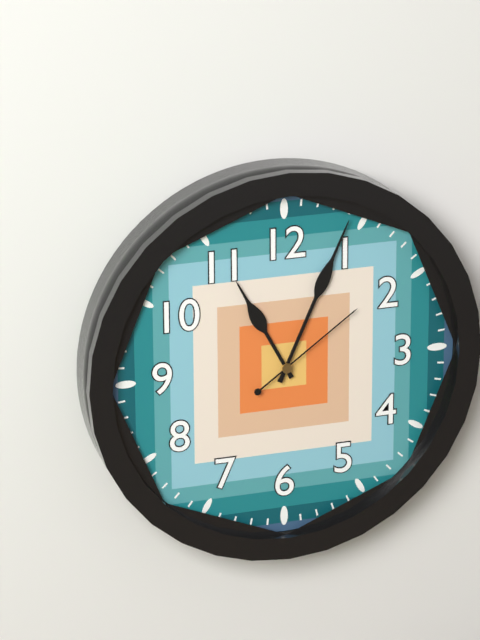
11:04:09
